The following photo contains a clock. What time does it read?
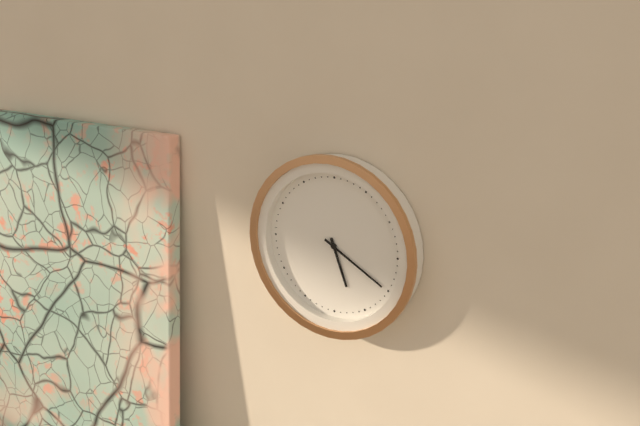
5:20
